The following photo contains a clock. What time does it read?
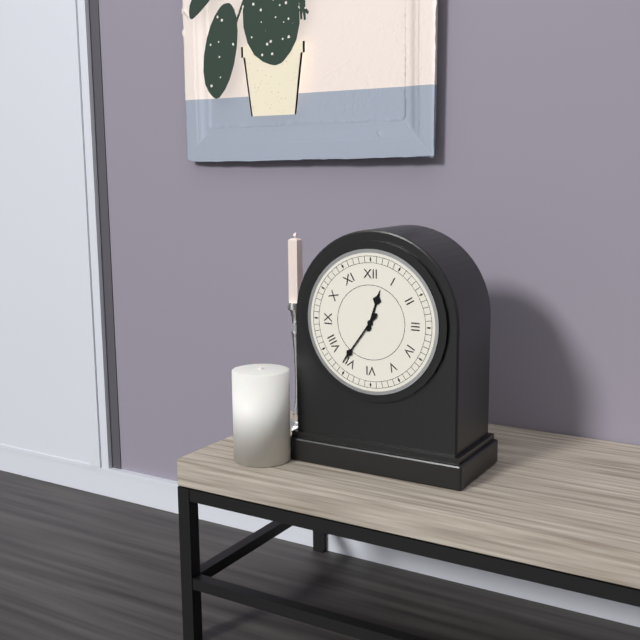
12:36
